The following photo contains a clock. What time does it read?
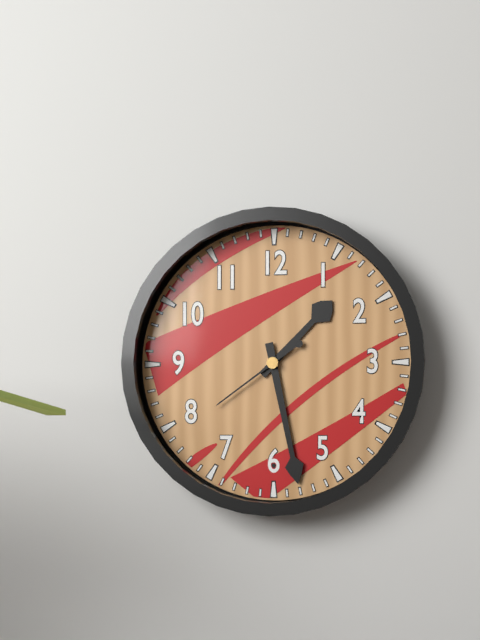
1:28:39
